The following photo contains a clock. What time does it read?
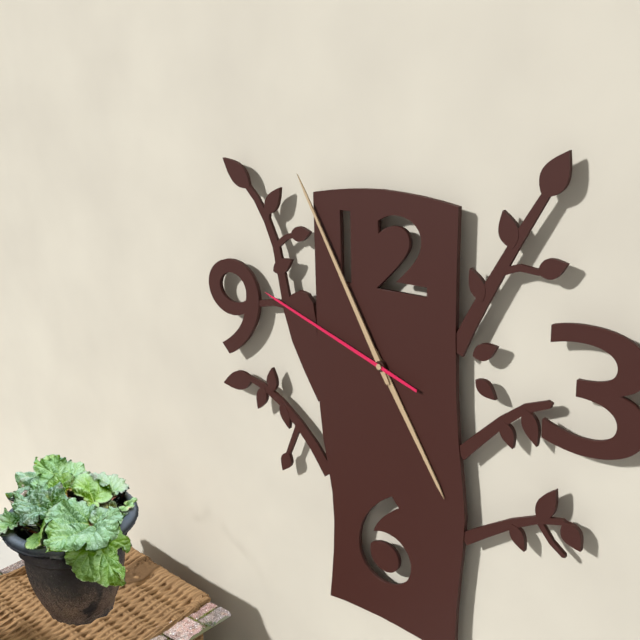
4:55:48
